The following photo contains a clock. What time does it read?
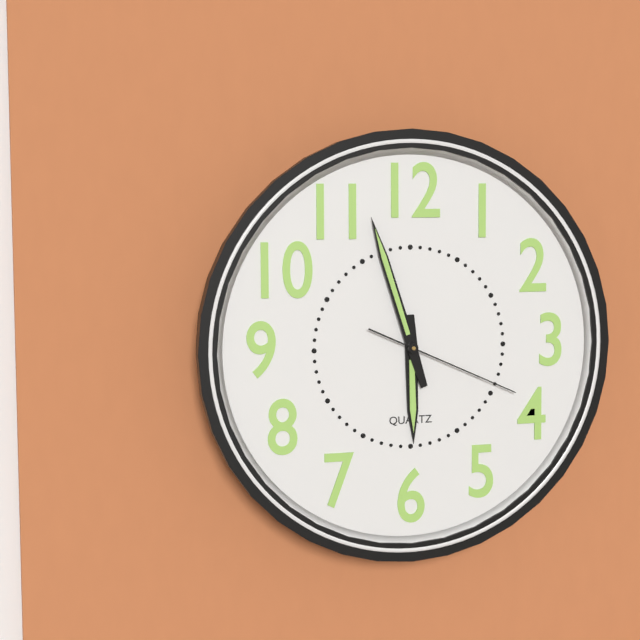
5:57:19
